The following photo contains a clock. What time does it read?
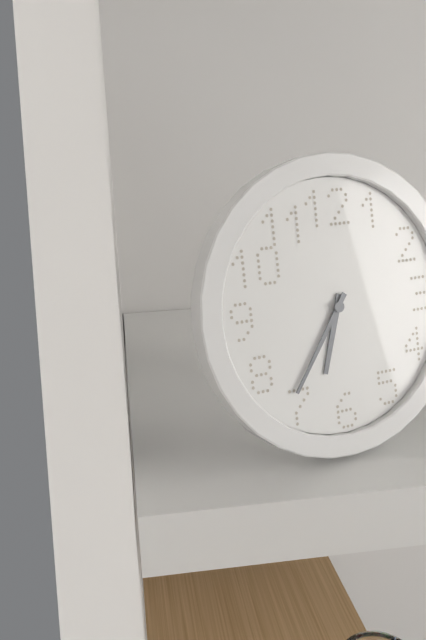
6:36
